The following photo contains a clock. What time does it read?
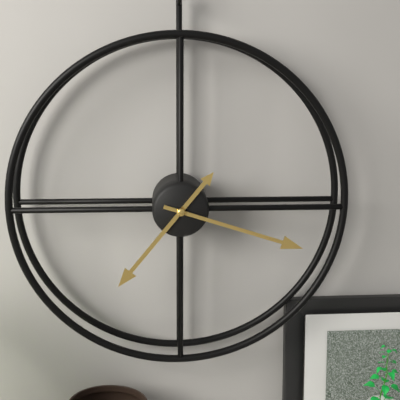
7:18
